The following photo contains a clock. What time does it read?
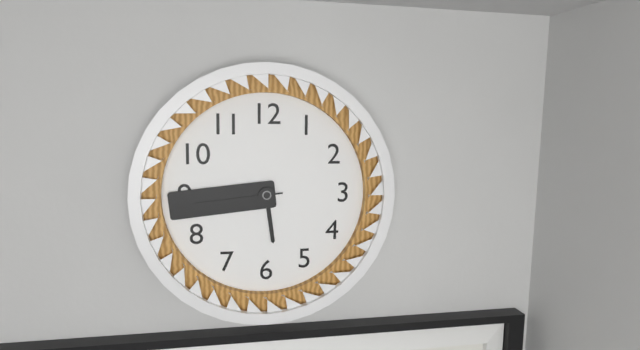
5:44:44
